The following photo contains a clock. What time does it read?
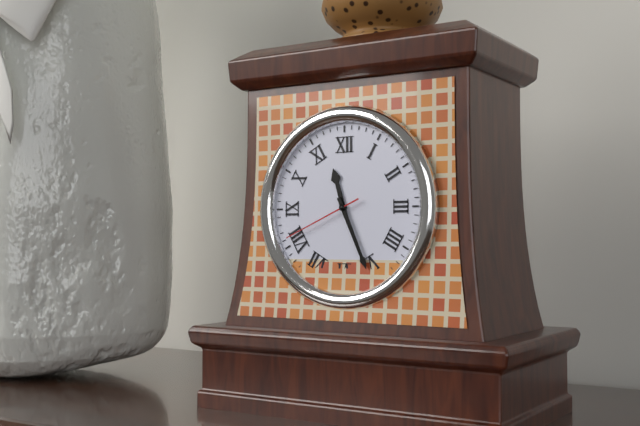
11:26:41
